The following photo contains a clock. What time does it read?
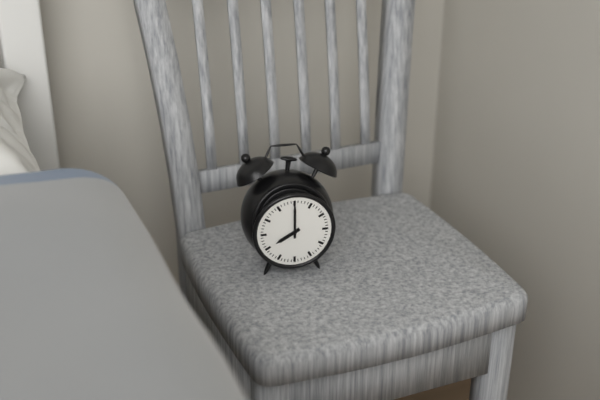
8:00
